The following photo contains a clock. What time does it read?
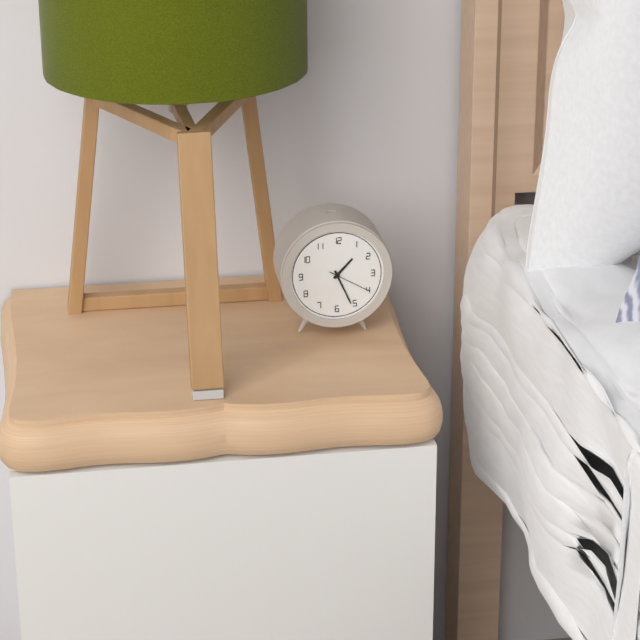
1:26
